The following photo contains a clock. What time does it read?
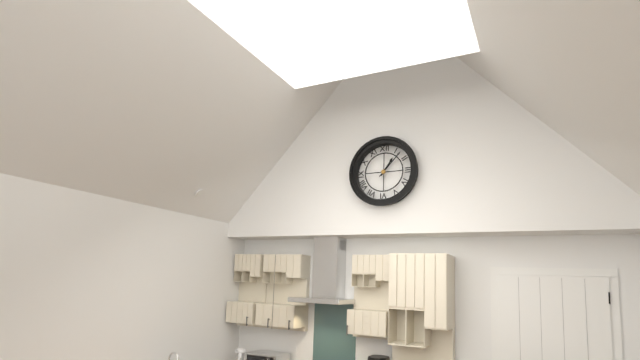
1:07
